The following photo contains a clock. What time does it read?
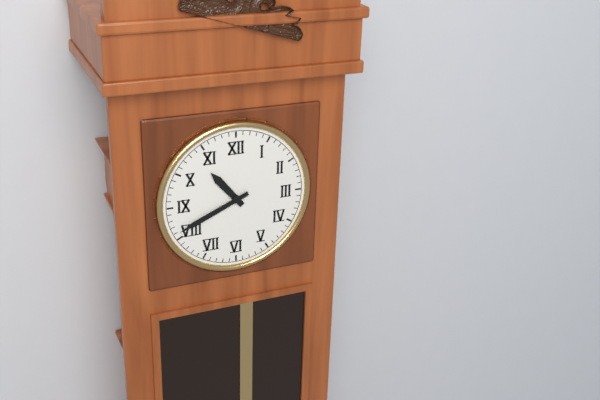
10:41
